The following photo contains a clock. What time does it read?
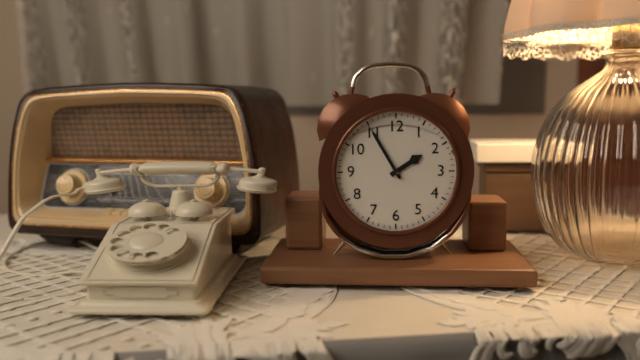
1:55
